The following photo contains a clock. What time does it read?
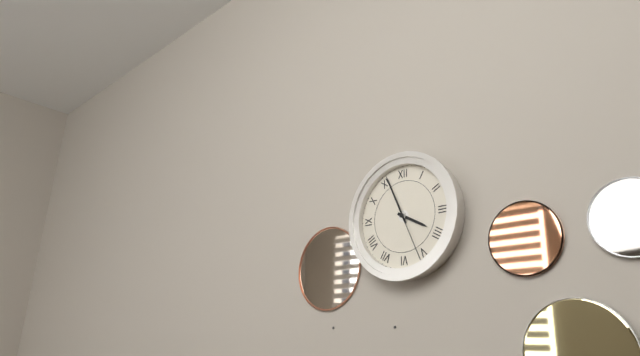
3:56:26
